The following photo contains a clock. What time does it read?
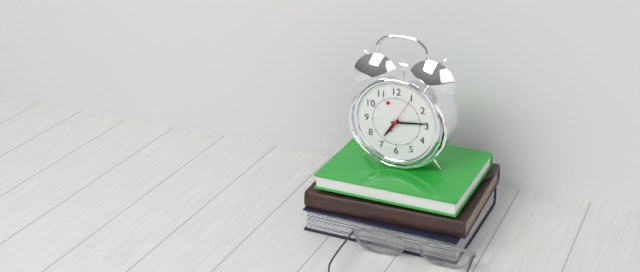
7:14
